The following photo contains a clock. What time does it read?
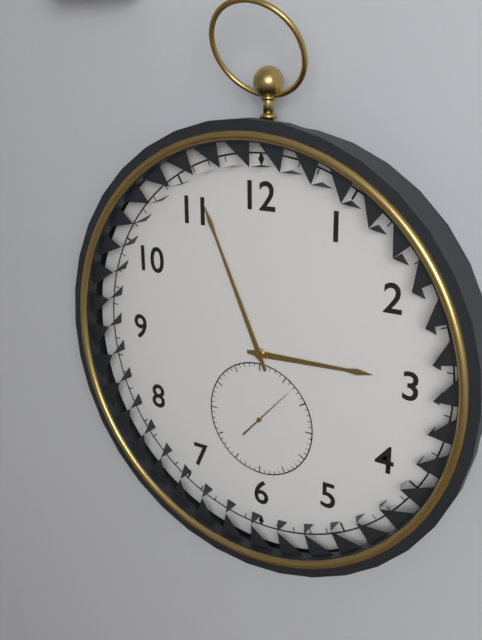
2:56:07
